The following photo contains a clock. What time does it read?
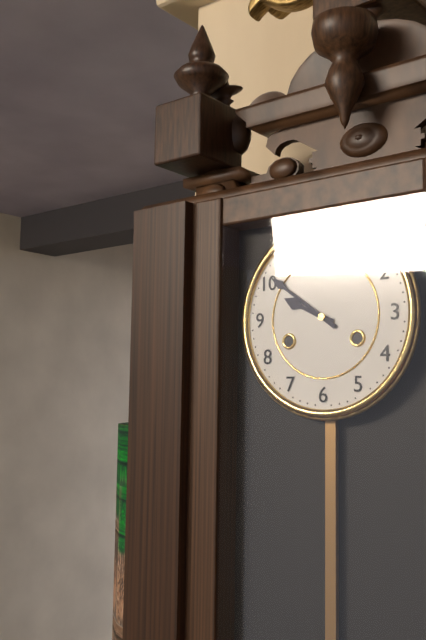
9:51
